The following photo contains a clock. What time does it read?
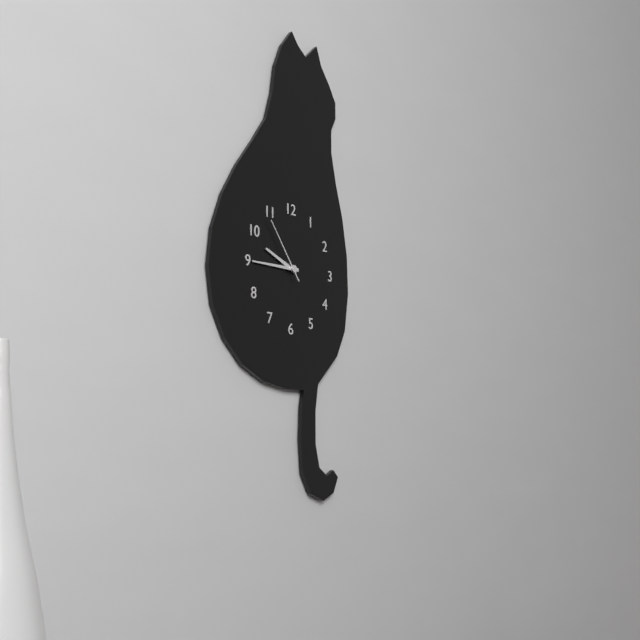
9:45:54
